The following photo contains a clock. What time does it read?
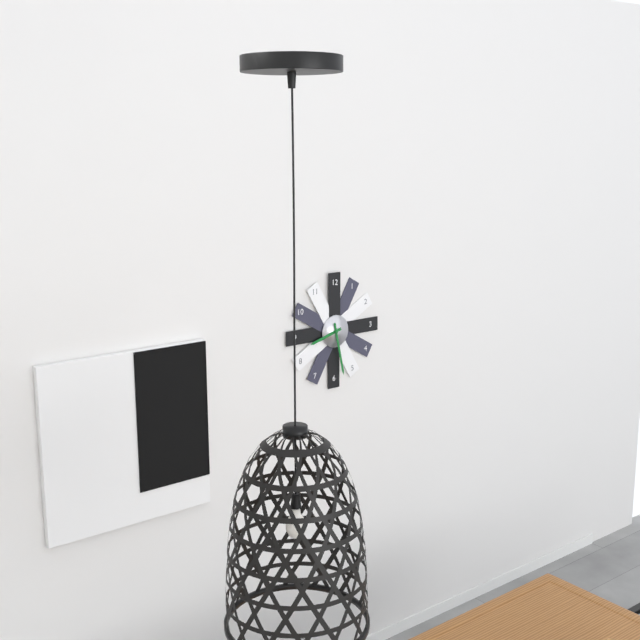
8:28
